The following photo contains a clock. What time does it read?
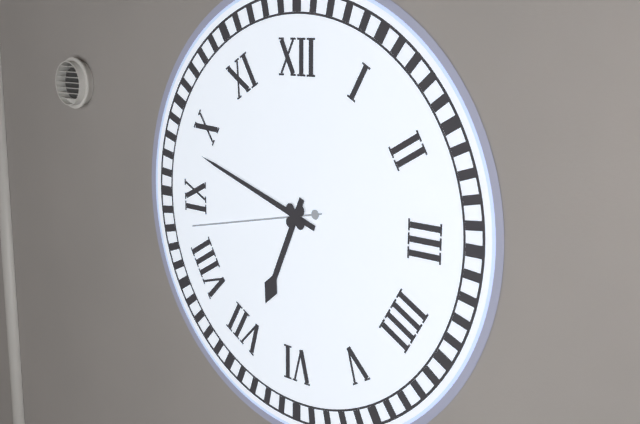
6:48:43
